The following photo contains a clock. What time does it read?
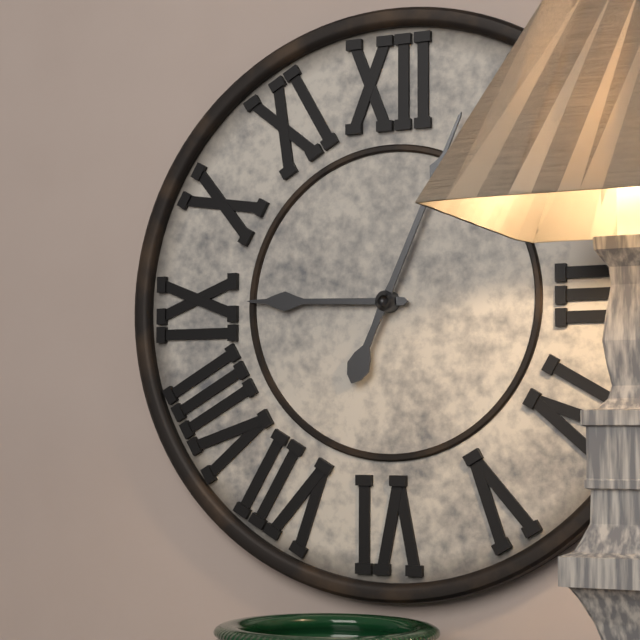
9:04
